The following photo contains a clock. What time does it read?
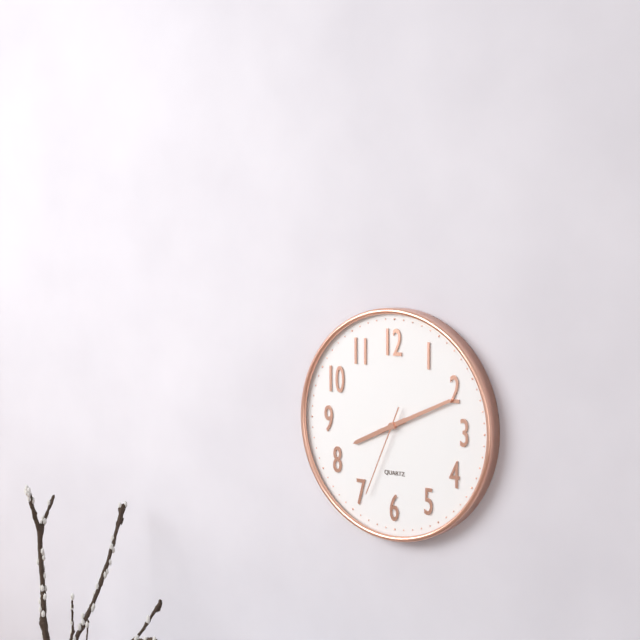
8:11:34
